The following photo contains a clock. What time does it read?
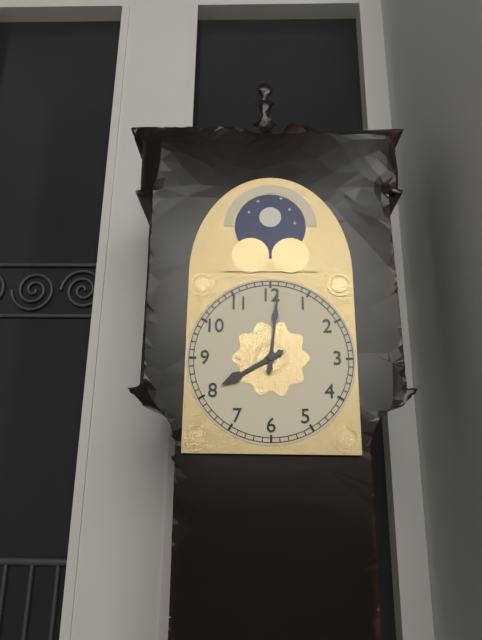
8:01
